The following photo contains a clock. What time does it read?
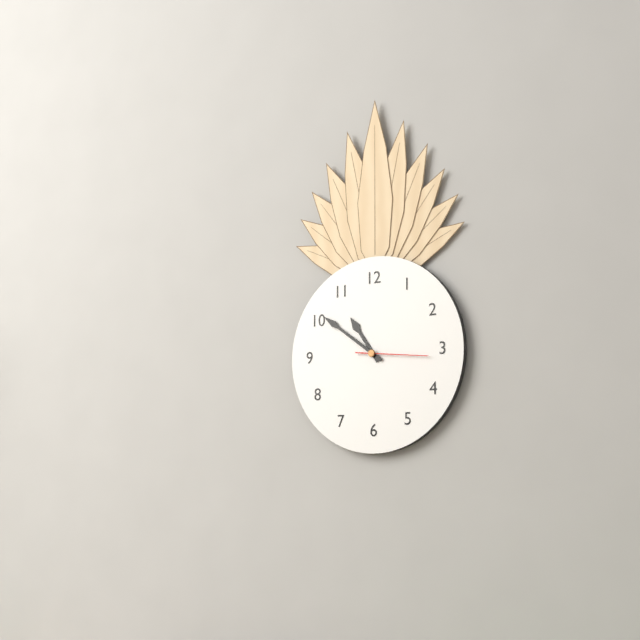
10:51:16
